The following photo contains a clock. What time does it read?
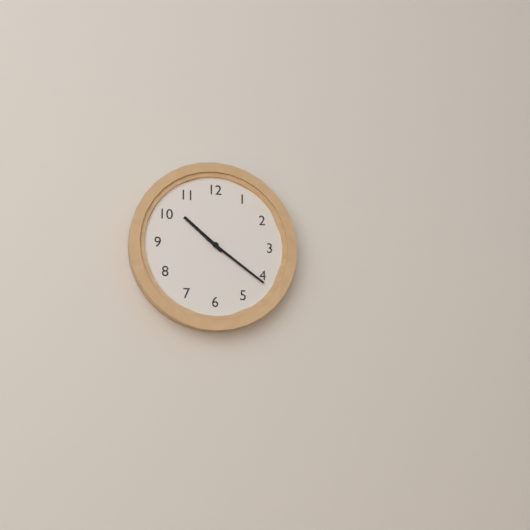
10:21
